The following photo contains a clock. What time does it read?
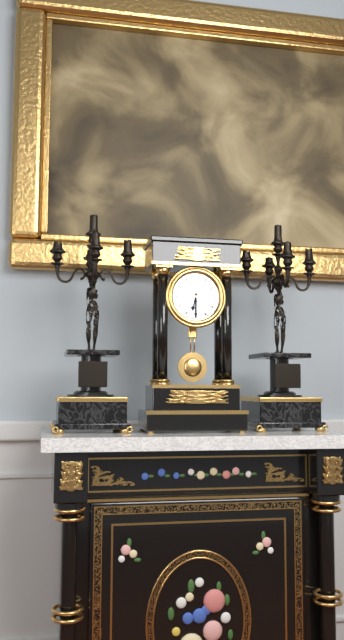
6:30
